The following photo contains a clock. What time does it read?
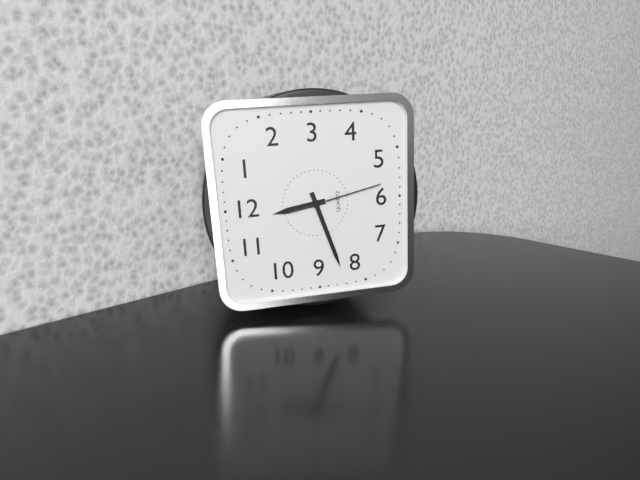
11:42:28
